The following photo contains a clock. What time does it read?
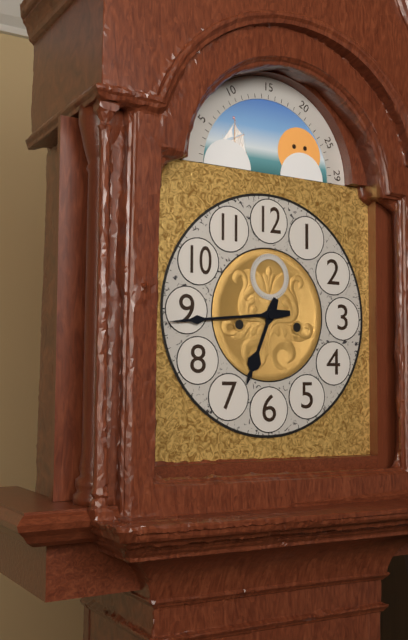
6:44
